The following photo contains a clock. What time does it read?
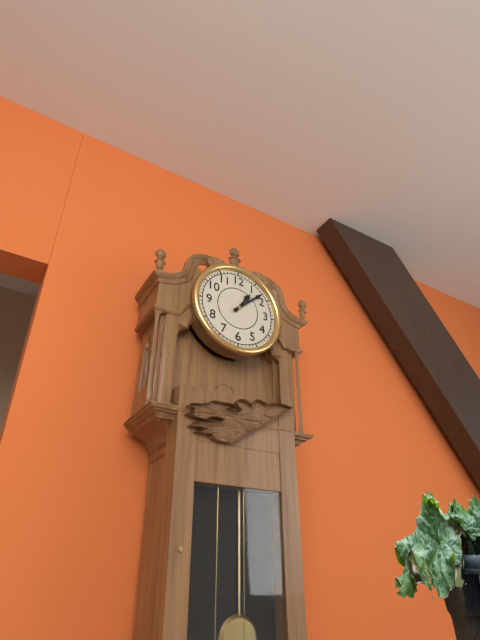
1:08
